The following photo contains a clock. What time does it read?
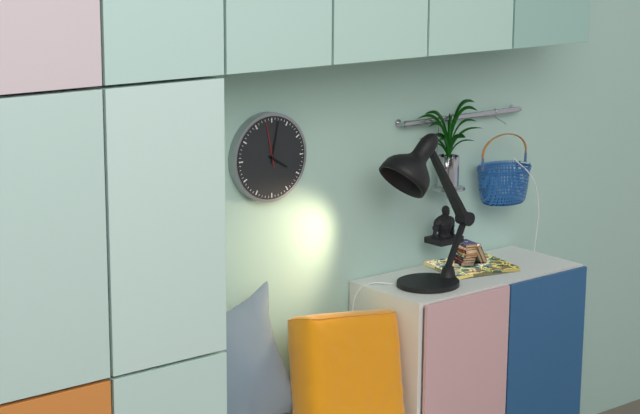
4:02
